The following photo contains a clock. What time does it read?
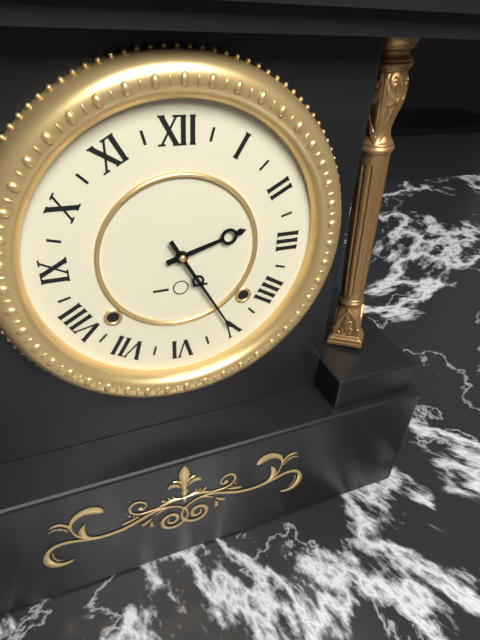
2:25
